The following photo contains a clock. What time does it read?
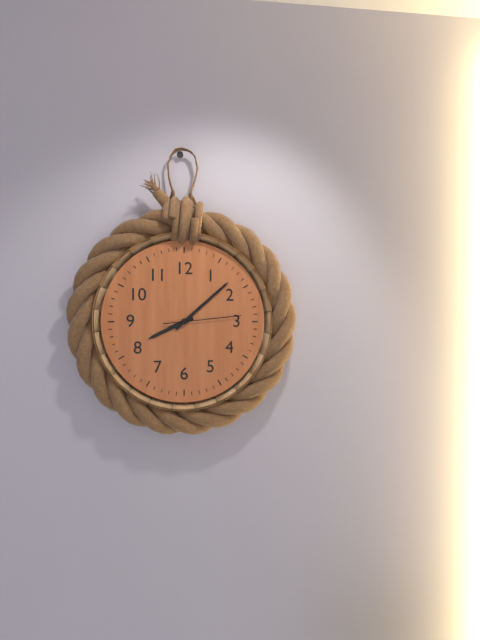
8:08:14
